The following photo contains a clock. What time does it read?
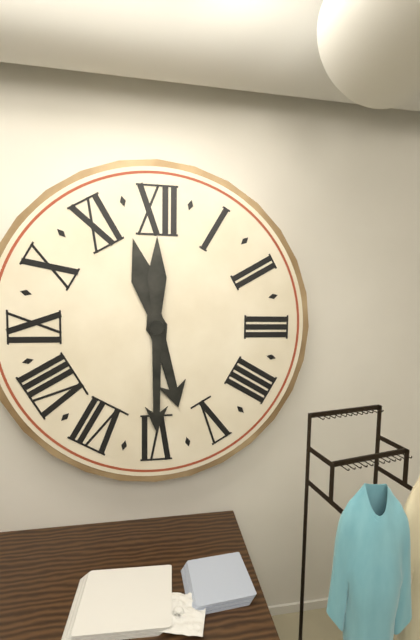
5:30
